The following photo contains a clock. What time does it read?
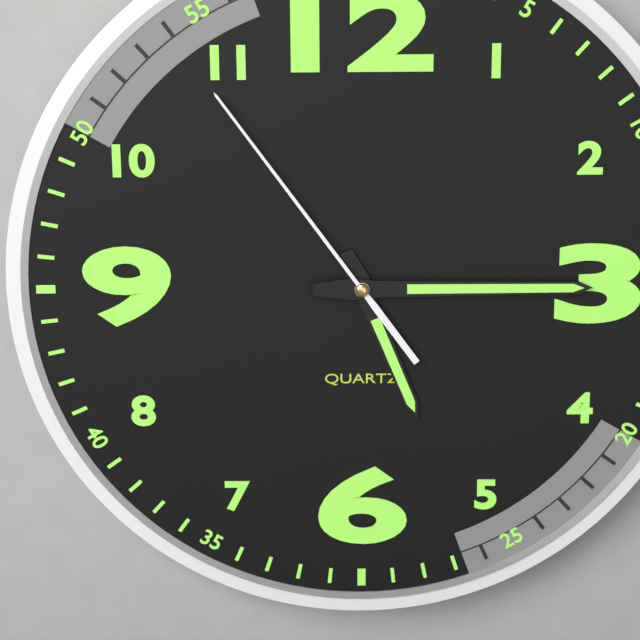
5:15:54
